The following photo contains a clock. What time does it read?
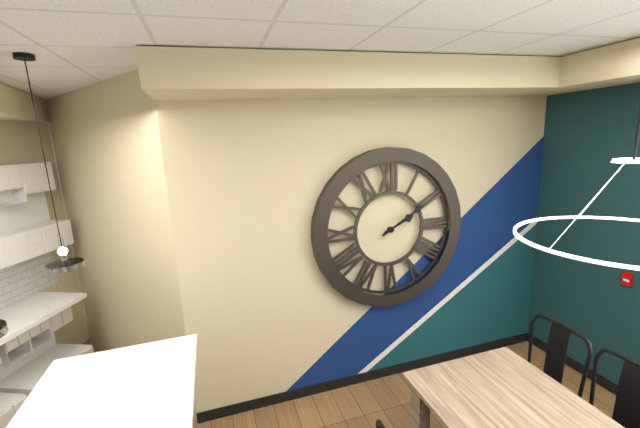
2:10
